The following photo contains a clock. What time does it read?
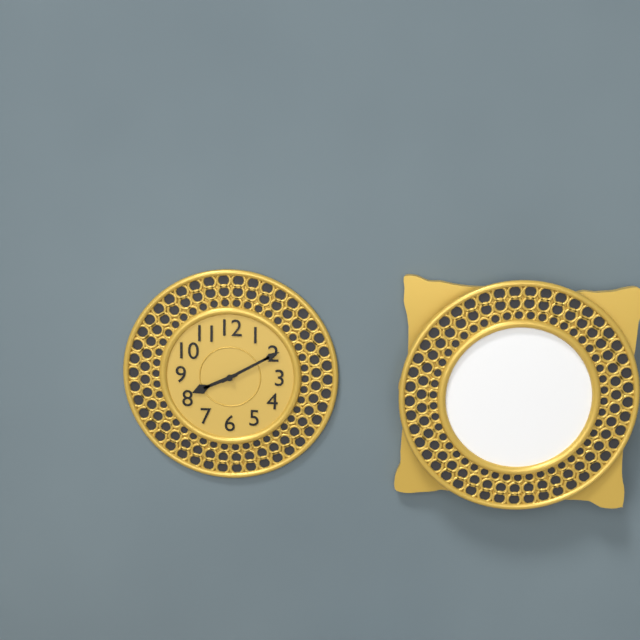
8:10
